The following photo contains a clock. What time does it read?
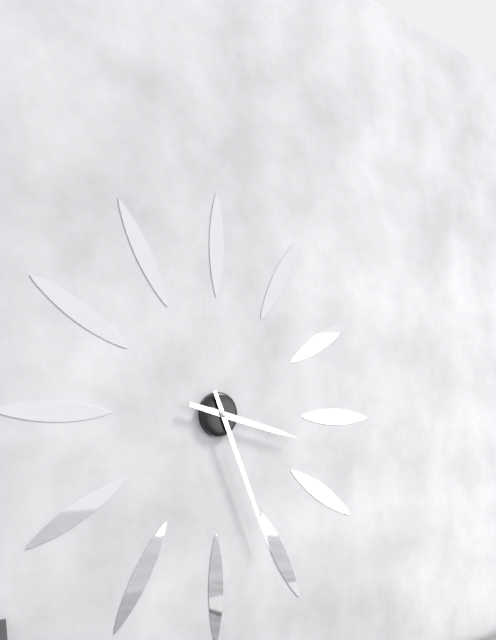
3:26
